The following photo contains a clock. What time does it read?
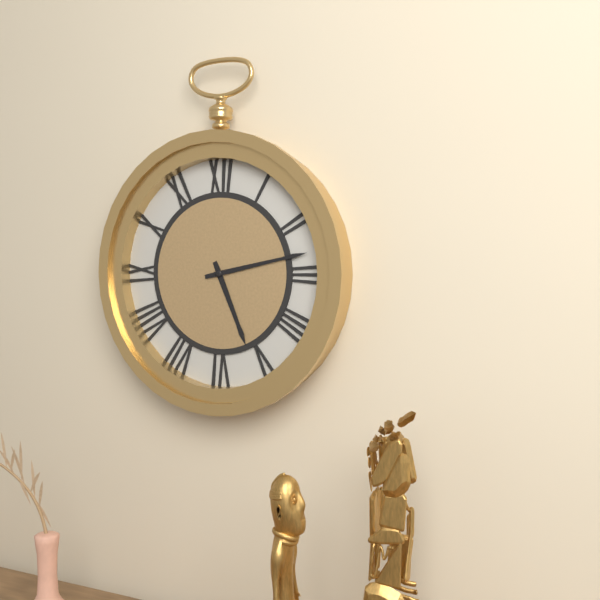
5:13
